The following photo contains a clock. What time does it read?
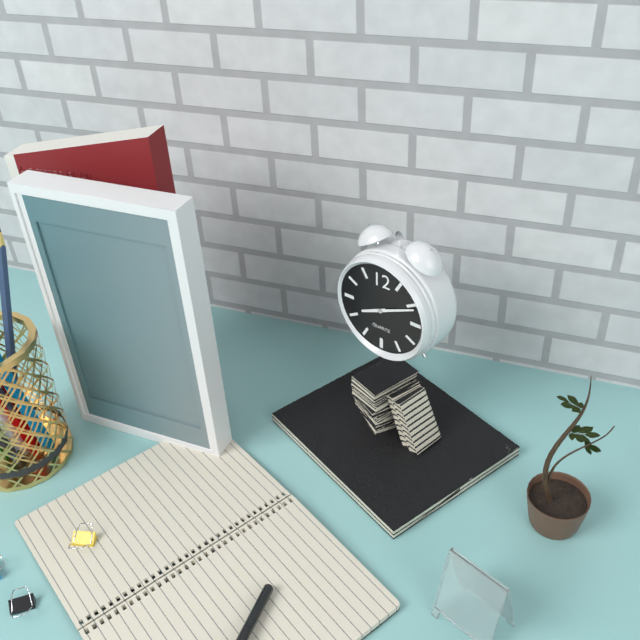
8:11
